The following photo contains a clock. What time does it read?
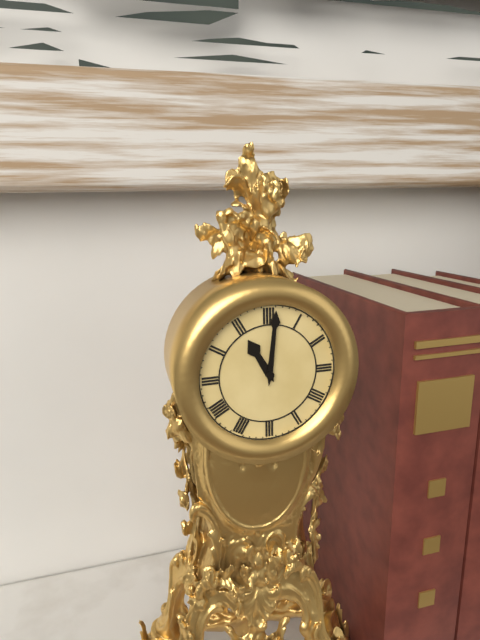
11:01
